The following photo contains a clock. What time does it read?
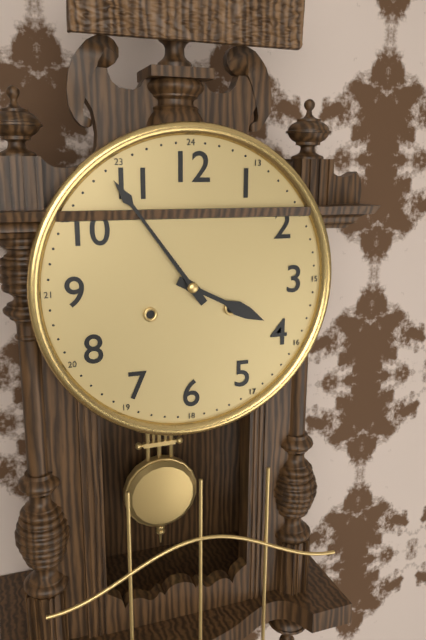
3:54
